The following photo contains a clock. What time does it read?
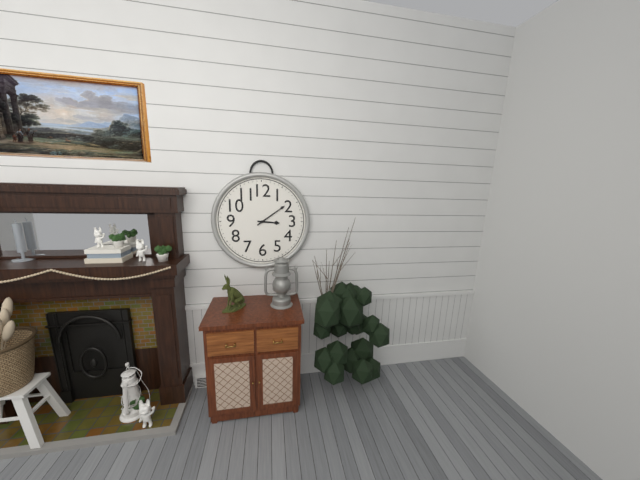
3:09
